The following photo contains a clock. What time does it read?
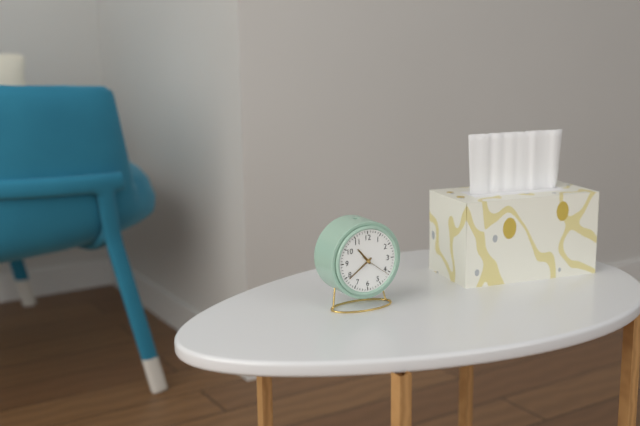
10:39
